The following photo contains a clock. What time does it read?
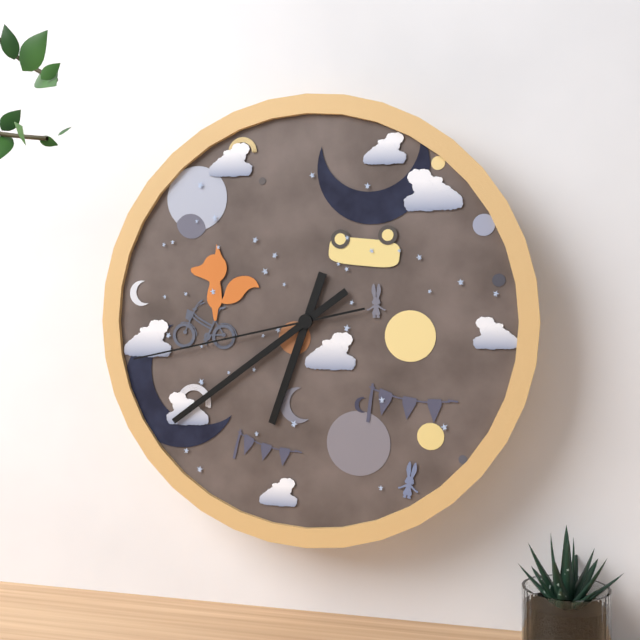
6:39:43
